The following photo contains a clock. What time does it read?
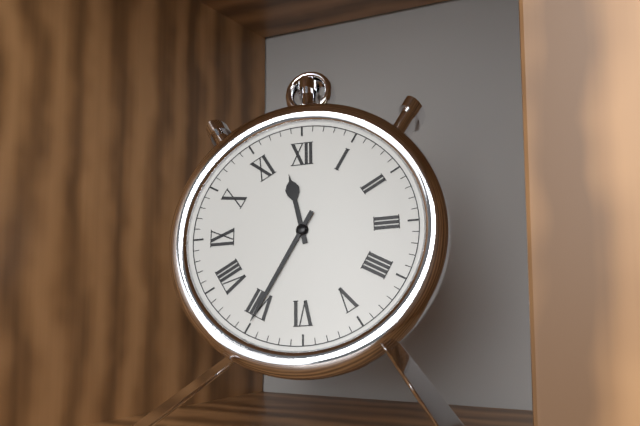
11:35
